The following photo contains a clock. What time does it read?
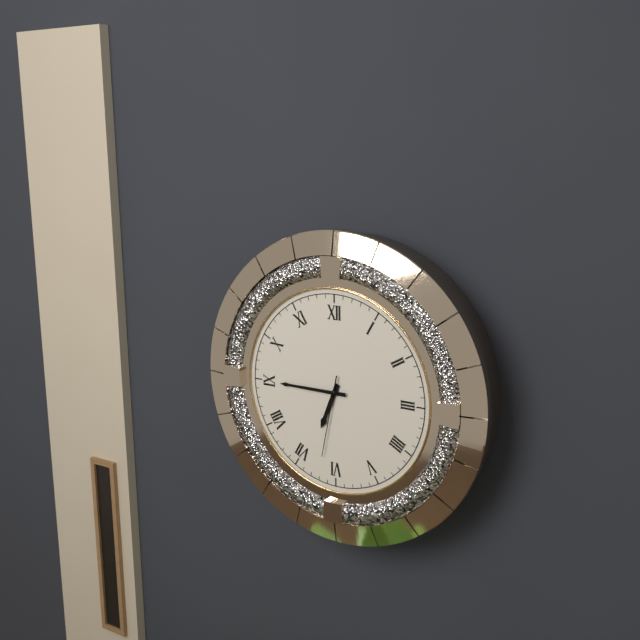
6:45:32
